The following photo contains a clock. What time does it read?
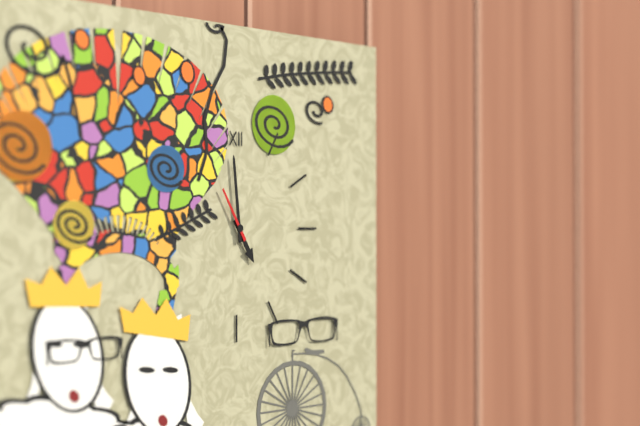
4:59:55
